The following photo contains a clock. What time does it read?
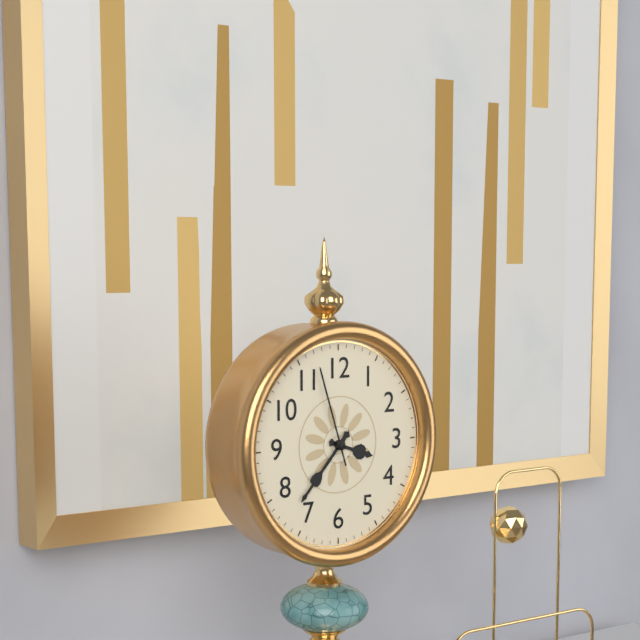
3:37:57
